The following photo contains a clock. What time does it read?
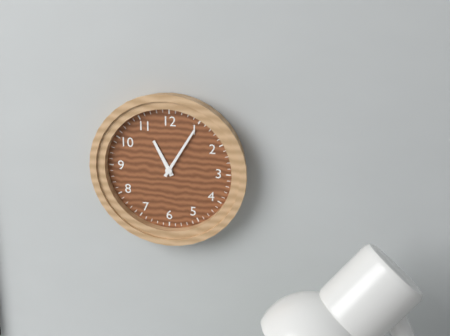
11:05
